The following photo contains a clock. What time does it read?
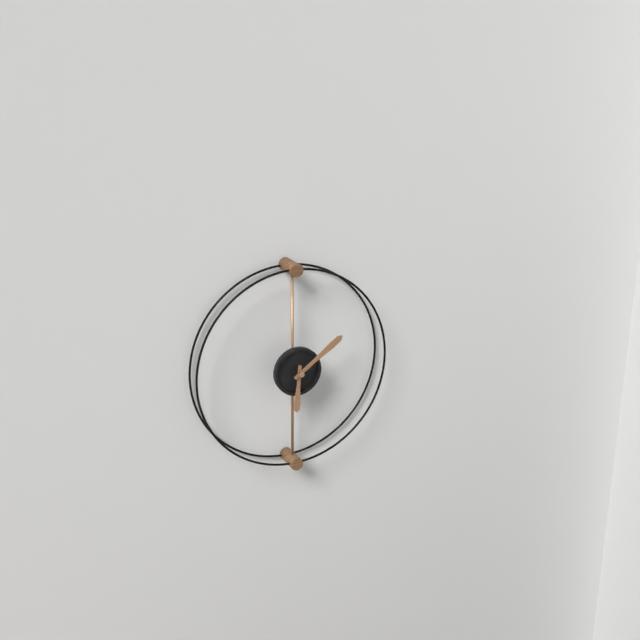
6:09
